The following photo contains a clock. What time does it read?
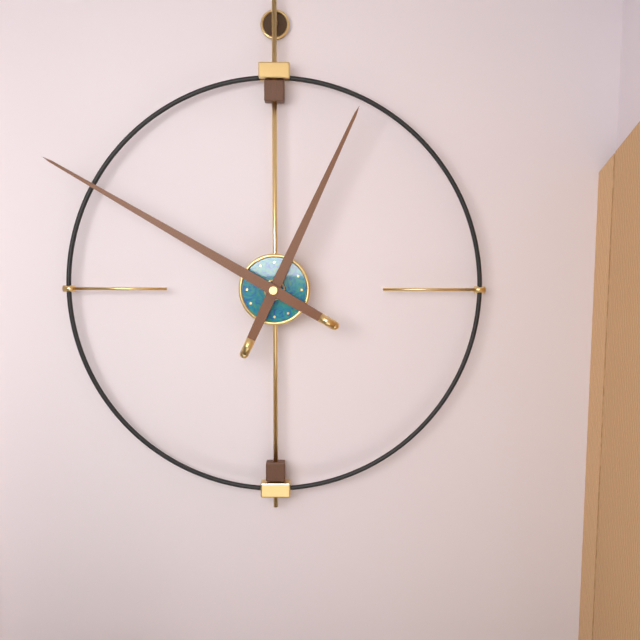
12:50
